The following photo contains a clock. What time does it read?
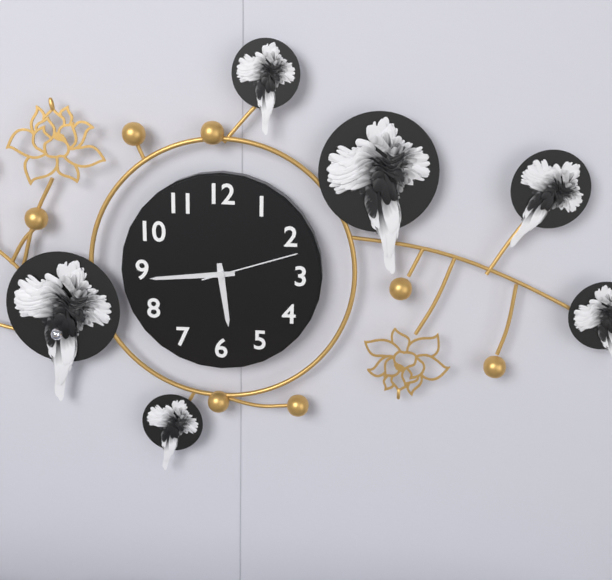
5:44:12
